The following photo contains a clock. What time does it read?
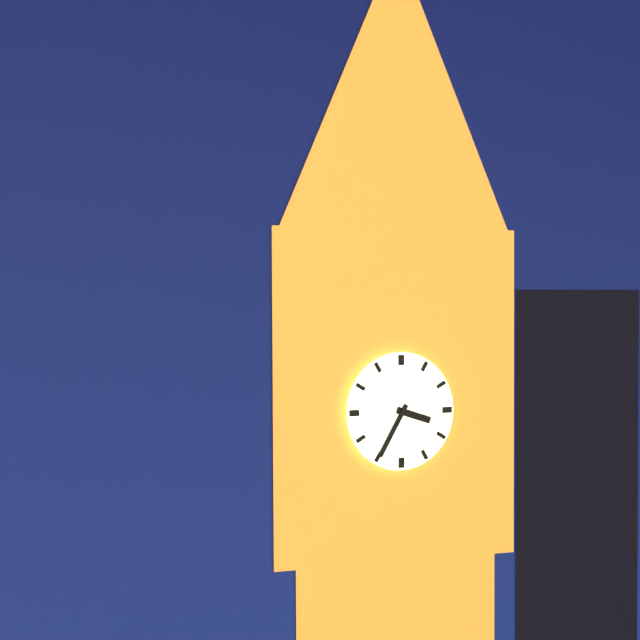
3:35
